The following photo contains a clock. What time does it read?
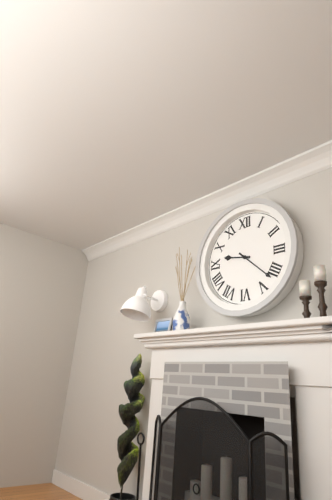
9:22
